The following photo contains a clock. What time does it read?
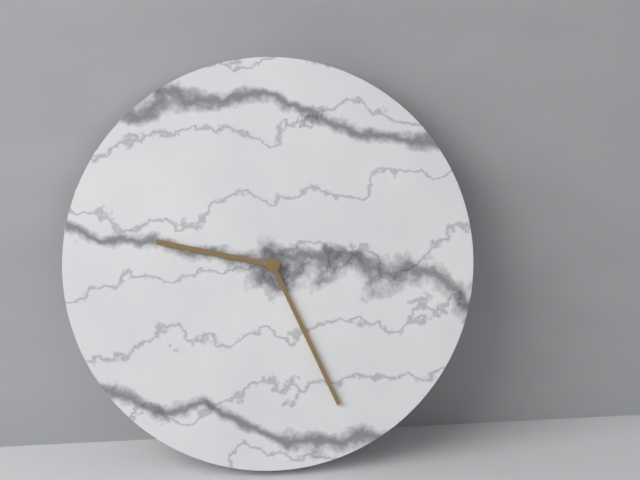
9:26
